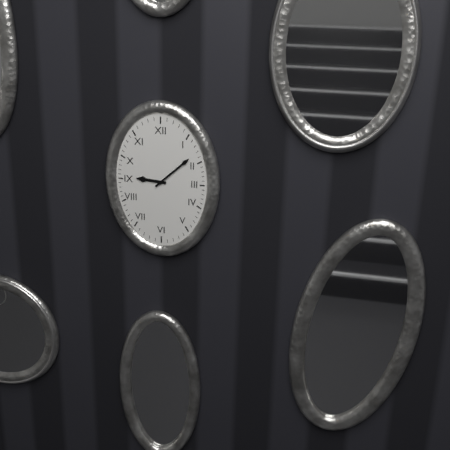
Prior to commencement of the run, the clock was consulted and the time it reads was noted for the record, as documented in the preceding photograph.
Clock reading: 9:08
